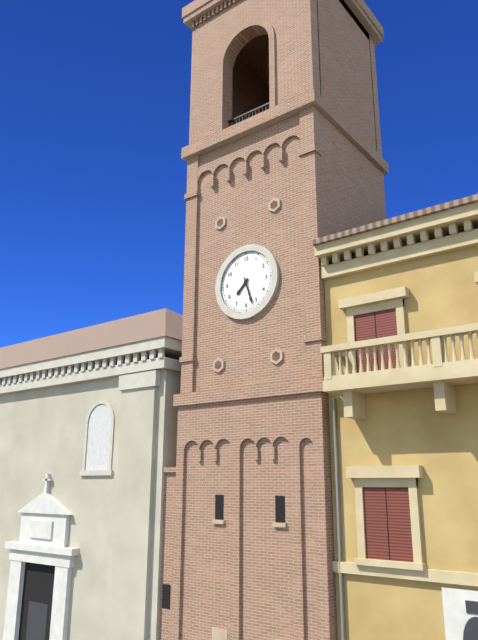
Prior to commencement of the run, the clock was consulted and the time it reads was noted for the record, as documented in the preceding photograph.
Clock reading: 7:27
